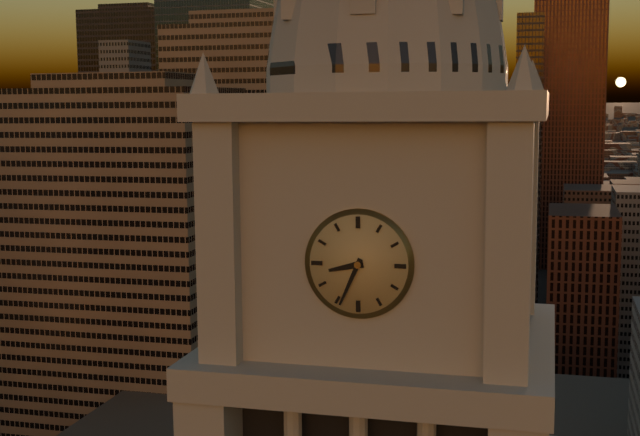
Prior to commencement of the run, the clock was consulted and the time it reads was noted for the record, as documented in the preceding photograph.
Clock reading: 8:34
